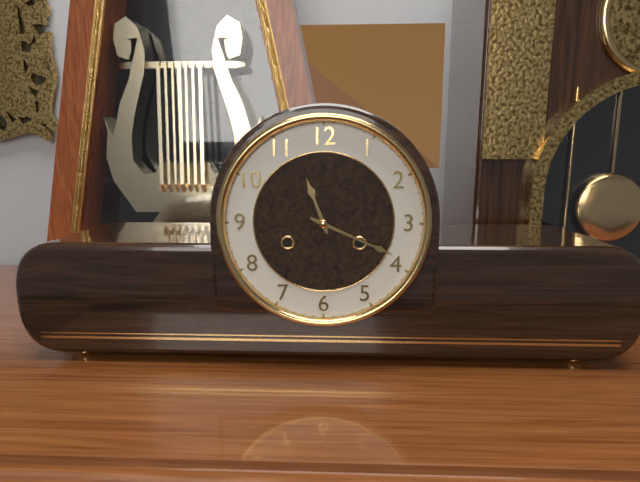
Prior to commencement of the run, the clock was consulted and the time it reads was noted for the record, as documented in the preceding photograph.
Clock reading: 11:19
